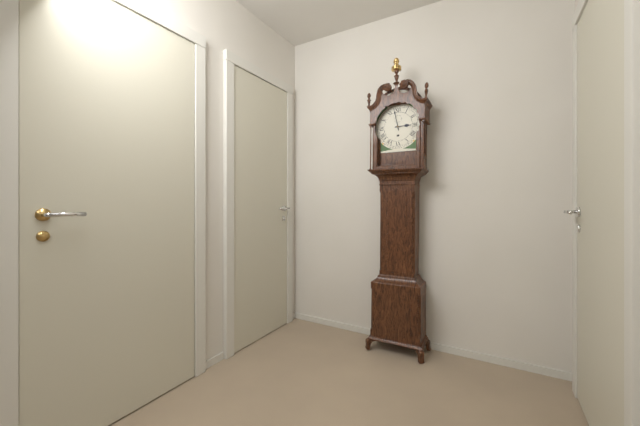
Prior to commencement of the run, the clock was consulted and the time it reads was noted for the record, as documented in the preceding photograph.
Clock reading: 2:58
